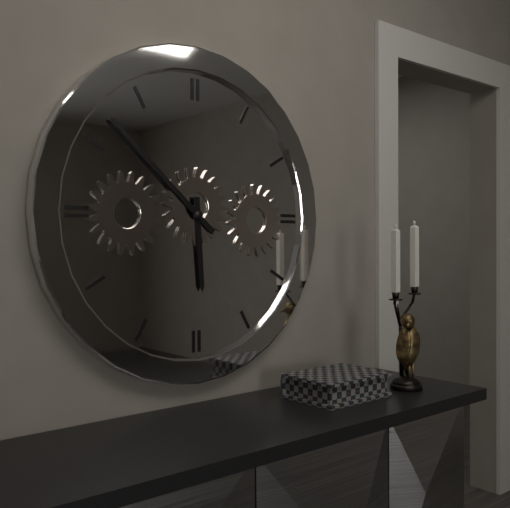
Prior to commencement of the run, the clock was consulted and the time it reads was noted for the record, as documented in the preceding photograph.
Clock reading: 5:52
